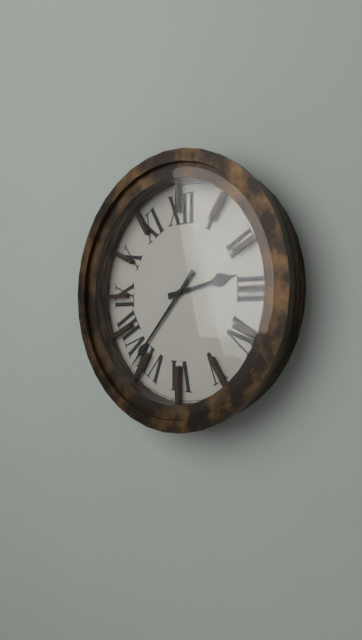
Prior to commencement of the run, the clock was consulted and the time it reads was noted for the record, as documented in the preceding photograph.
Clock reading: 2:37
